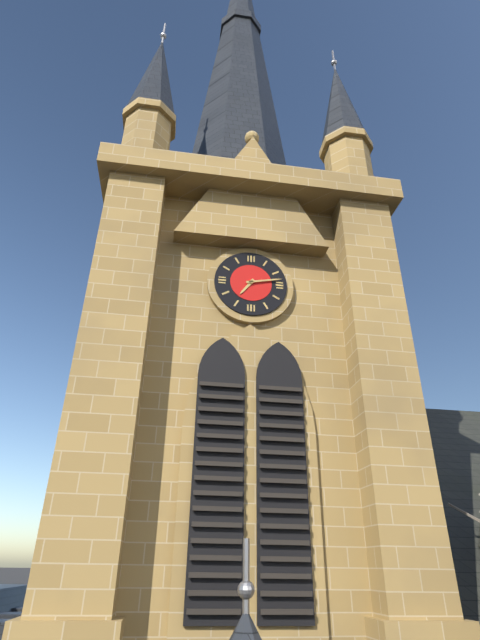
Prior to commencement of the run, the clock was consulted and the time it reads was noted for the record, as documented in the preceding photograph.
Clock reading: 7:13
